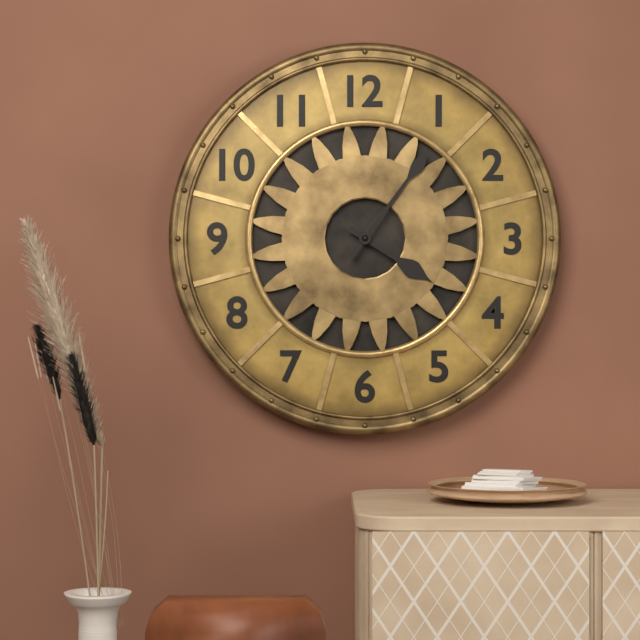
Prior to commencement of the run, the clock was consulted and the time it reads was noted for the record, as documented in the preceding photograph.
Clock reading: 4:06
